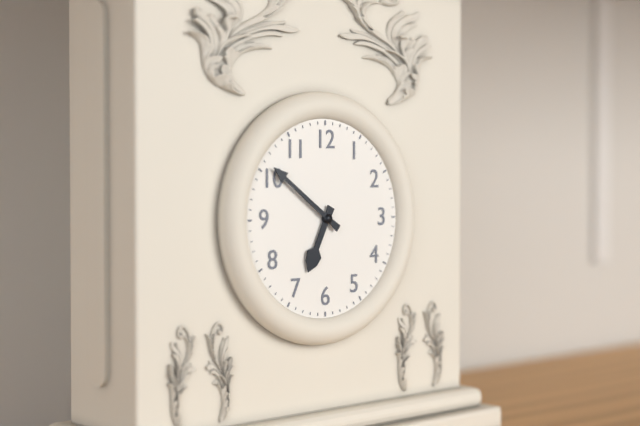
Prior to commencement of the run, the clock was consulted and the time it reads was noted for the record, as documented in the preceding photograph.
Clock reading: 6:51
